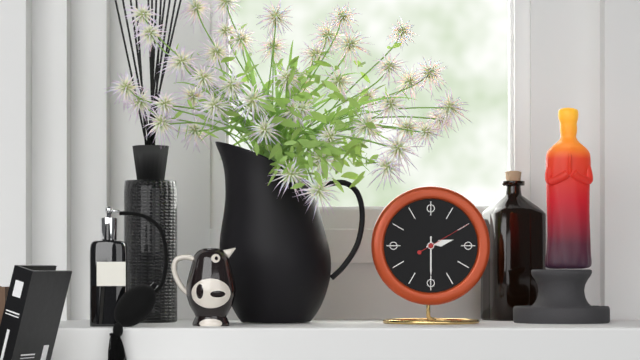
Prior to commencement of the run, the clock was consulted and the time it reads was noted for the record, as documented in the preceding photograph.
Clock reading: 2:30:10
